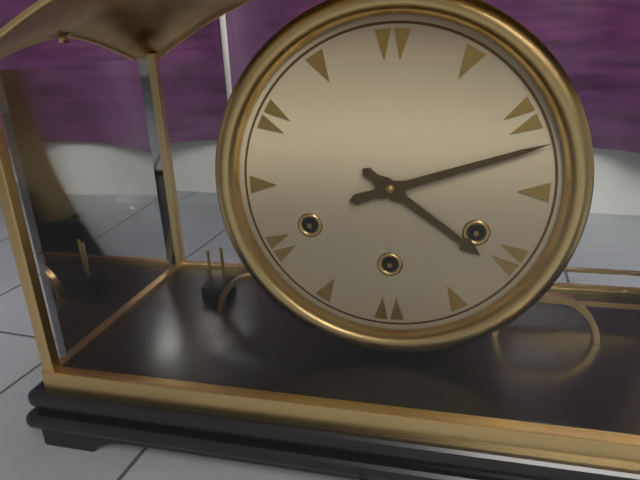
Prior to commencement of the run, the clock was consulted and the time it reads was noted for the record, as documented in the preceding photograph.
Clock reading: 4:12
